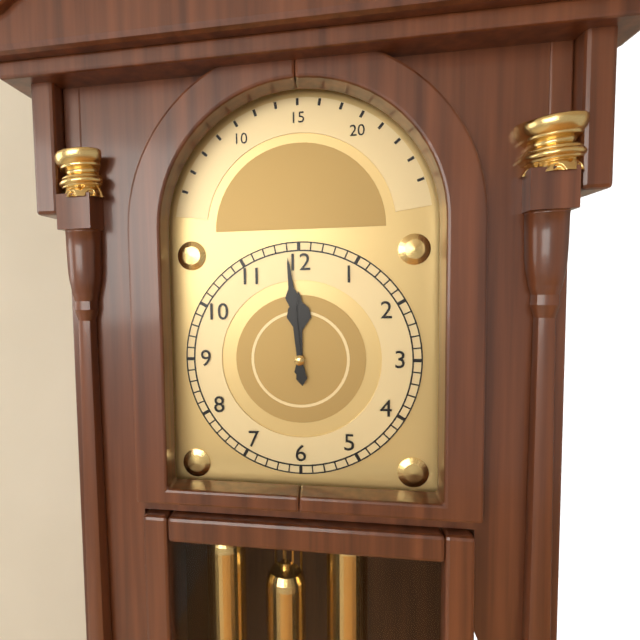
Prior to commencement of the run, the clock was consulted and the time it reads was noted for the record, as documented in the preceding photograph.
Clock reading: 11:59
